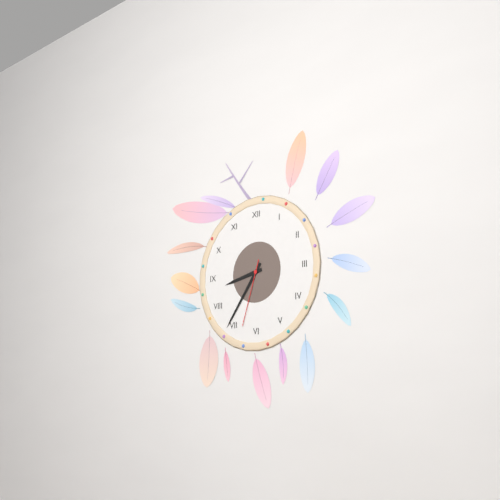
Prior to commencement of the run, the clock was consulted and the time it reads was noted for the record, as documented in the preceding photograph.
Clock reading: 8:36:33
